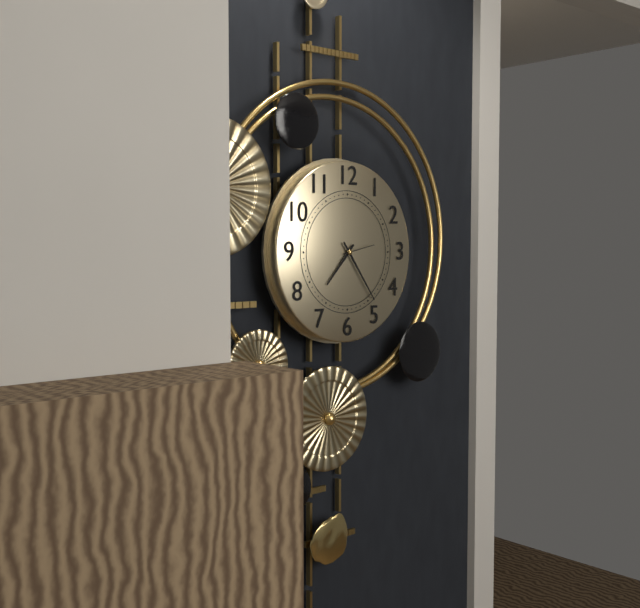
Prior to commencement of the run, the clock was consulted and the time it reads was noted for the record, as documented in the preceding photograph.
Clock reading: 7:24
